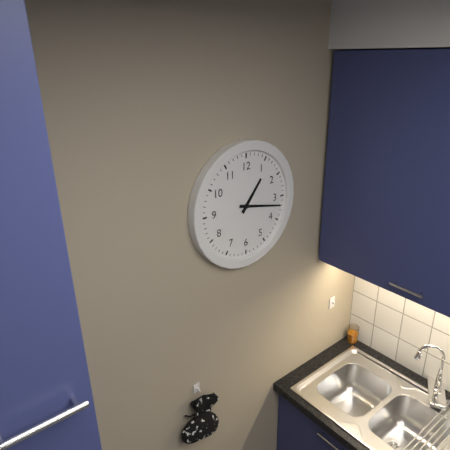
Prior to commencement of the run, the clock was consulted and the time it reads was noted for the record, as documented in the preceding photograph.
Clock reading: 1:17
